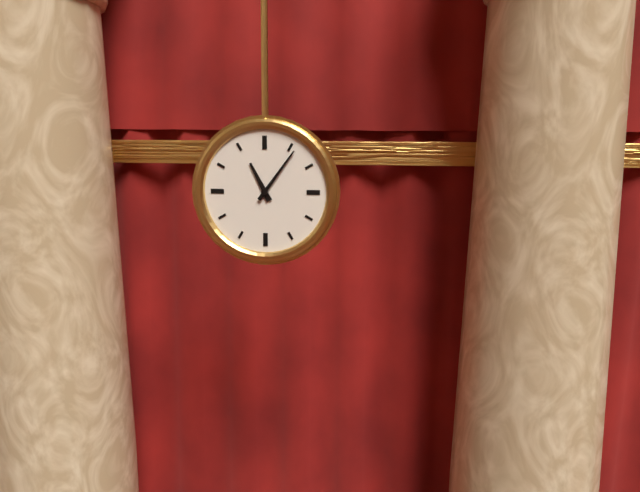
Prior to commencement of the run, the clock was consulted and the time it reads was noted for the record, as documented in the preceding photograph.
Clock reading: 11:06
